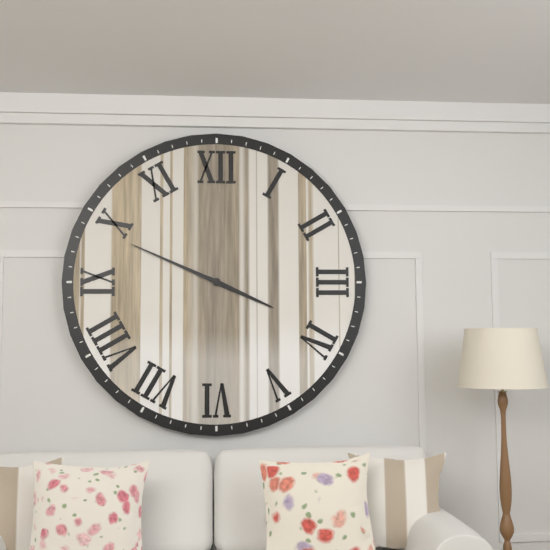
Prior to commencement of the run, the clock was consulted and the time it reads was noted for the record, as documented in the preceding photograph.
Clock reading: 3:49
